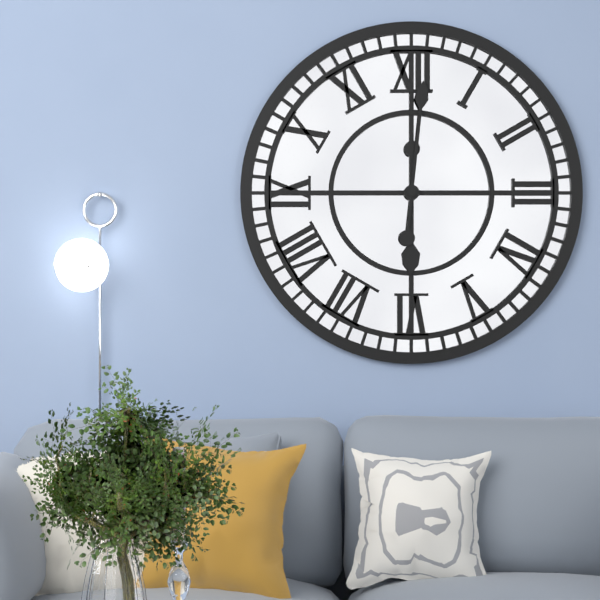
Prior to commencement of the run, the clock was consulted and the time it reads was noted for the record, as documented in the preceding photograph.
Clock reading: 6:01
